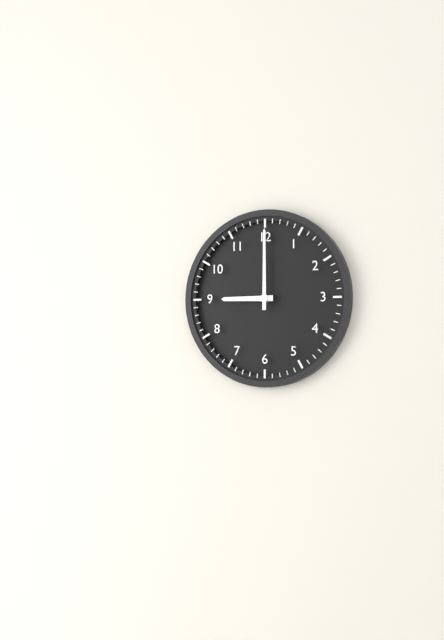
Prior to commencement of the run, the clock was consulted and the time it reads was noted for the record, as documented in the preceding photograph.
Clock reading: 9:00
